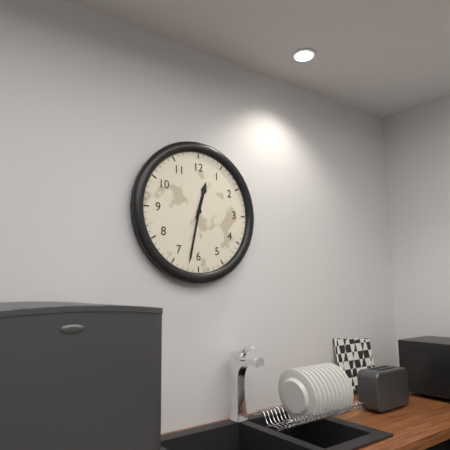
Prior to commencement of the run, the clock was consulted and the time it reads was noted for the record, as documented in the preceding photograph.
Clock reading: 12:32
